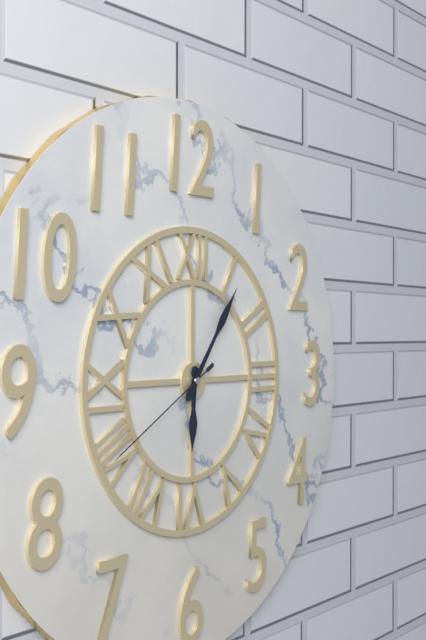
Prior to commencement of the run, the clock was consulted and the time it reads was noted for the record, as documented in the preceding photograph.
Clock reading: 6:06:40
